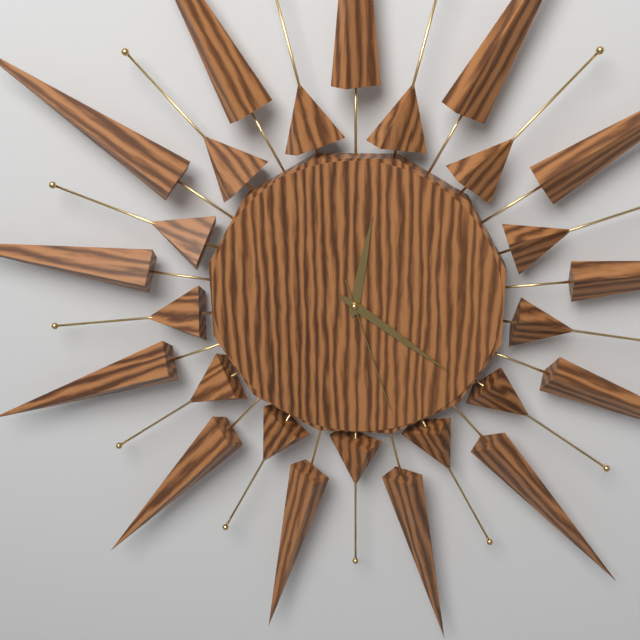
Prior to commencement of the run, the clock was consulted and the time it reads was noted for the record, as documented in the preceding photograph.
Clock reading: 12:21:27
